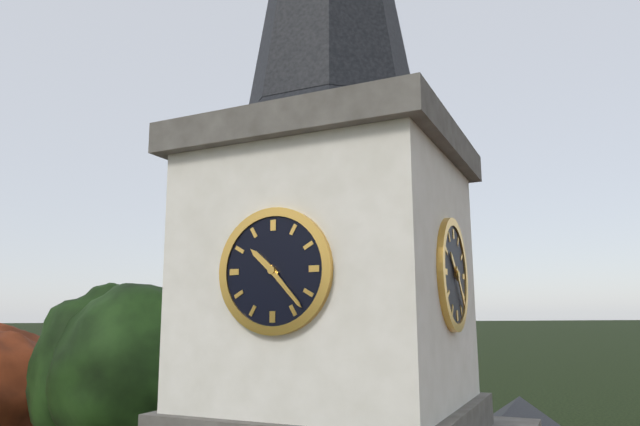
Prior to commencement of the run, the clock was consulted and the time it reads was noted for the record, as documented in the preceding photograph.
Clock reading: 10:23
